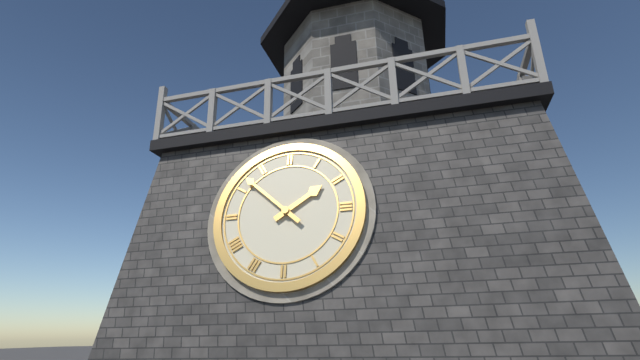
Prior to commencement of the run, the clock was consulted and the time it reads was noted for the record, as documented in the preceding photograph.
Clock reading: 1:52
